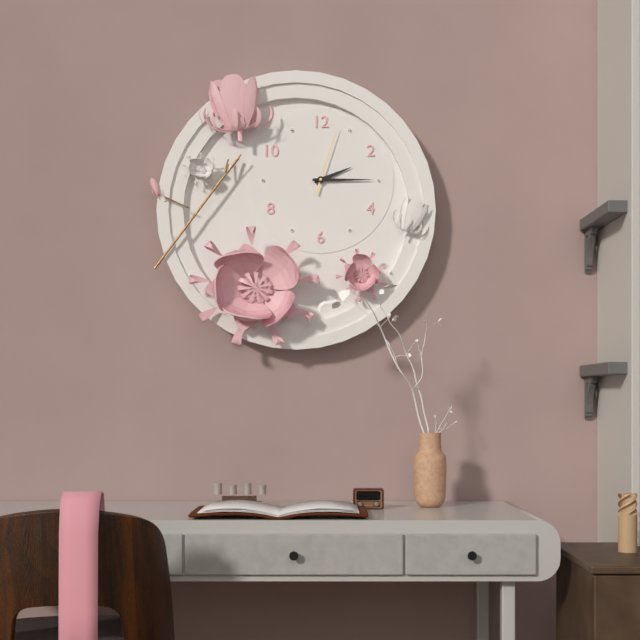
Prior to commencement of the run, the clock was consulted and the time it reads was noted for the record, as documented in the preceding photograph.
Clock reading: 2:15:03
